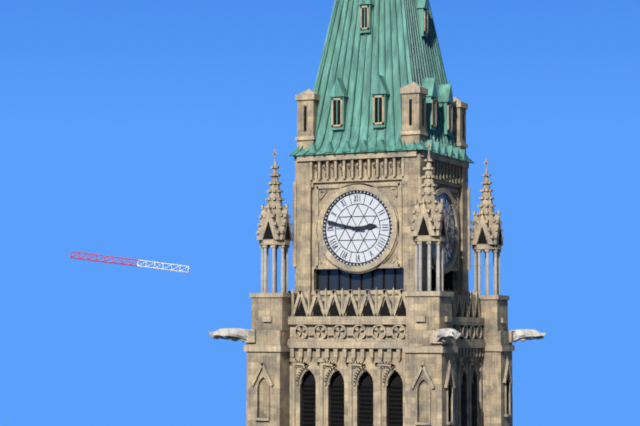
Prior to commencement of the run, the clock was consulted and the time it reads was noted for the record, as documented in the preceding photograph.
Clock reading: 2:47
